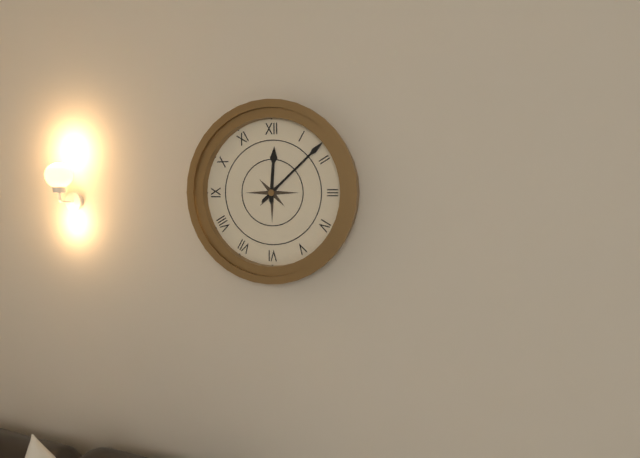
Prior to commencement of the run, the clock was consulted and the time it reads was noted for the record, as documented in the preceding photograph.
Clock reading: 12:08
